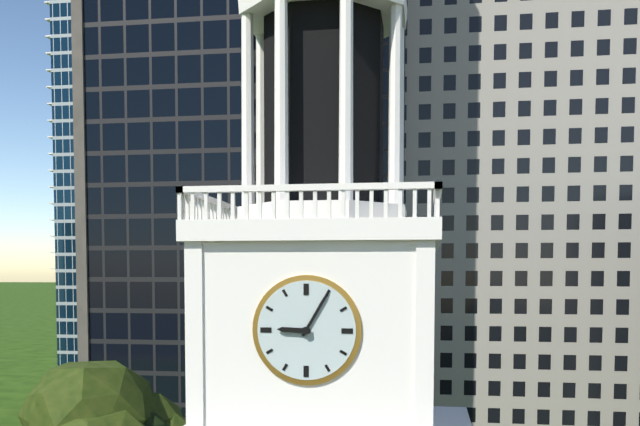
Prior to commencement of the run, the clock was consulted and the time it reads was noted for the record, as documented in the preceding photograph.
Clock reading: 9:05
